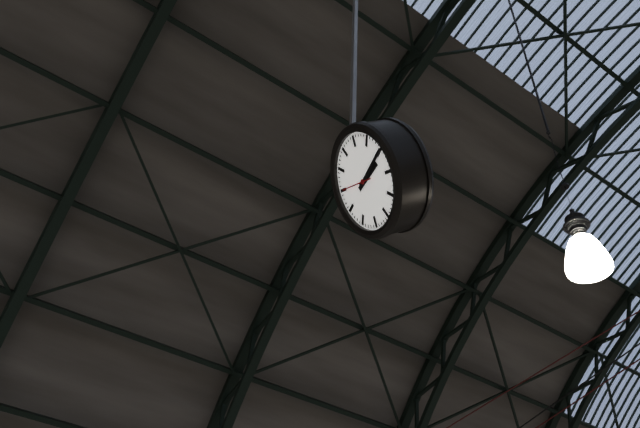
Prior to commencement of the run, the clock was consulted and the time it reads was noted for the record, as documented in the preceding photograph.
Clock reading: 3:15
